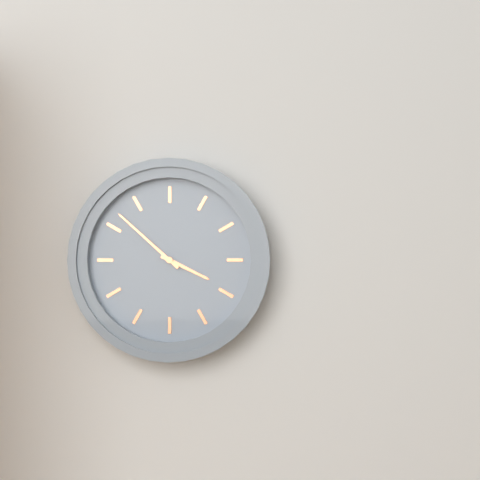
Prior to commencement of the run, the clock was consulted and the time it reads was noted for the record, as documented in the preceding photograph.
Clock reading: 3:52
